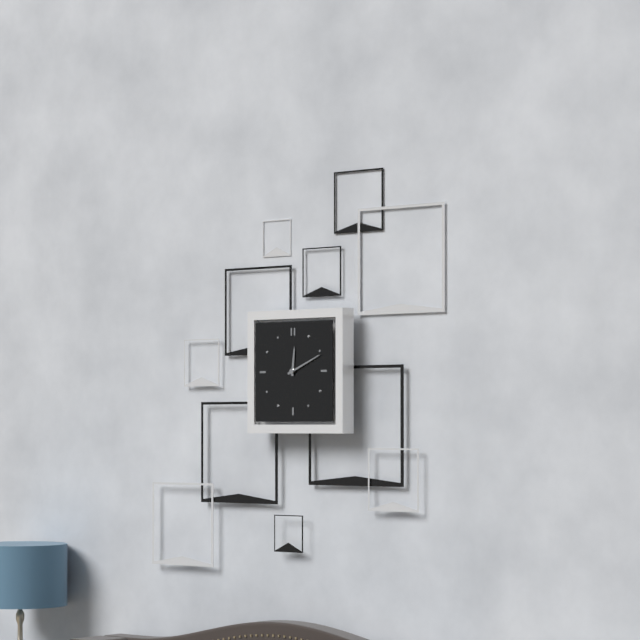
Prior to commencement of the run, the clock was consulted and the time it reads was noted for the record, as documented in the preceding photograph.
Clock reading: 12:11
